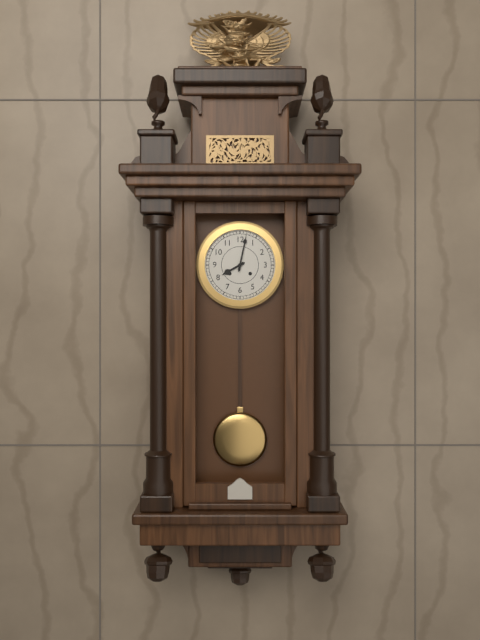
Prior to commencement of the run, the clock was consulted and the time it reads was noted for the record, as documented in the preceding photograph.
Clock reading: 8:02
